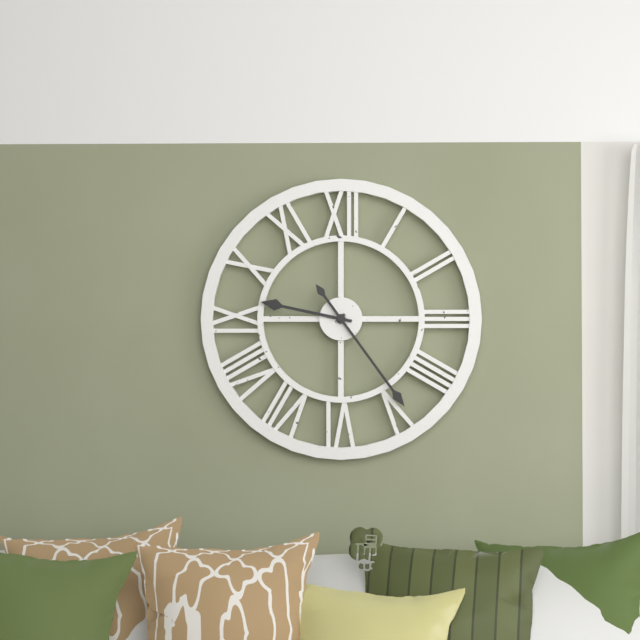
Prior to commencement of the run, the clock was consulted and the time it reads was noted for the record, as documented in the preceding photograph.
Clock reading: 9:24
